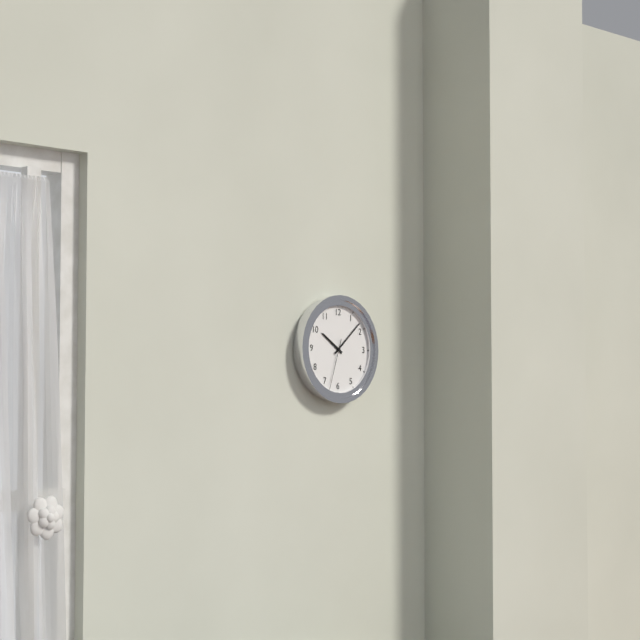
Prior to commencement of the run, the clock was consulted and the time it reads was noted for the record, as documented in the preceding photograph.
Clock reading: 10:08:33
